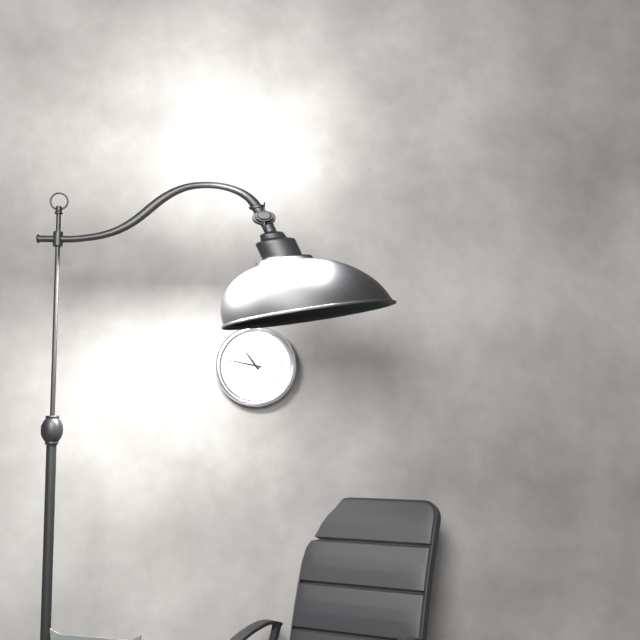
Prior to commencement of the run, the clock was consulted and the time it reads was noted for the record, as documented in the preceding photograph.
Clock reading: 10:47
